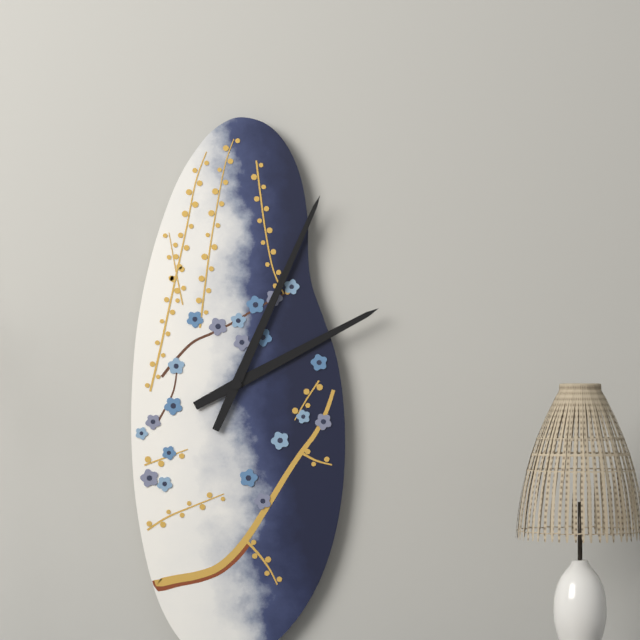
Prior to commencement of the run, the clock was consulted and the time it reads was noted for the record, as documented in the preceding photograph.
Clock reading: 2:04
